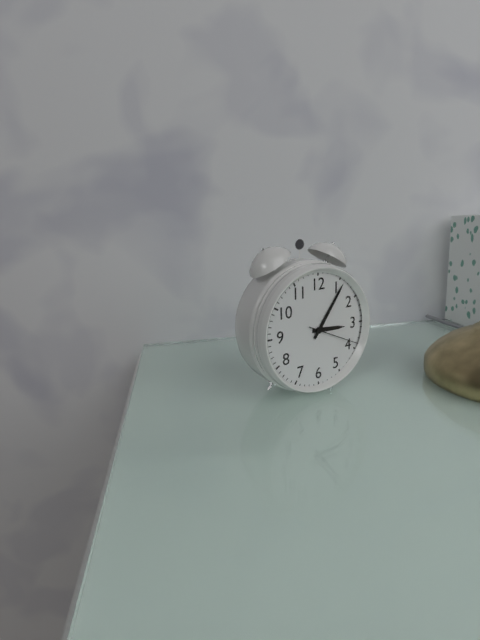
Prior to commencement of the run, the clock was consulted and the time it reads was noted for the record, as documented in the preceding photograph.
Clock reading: 3:06:19
